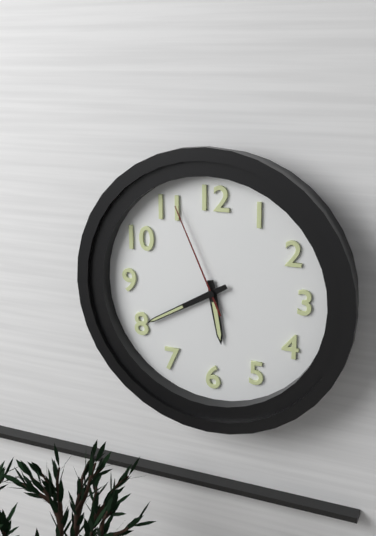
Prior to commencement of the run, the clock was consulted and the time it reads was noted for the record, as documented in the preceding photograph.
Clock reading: 5:40:56
